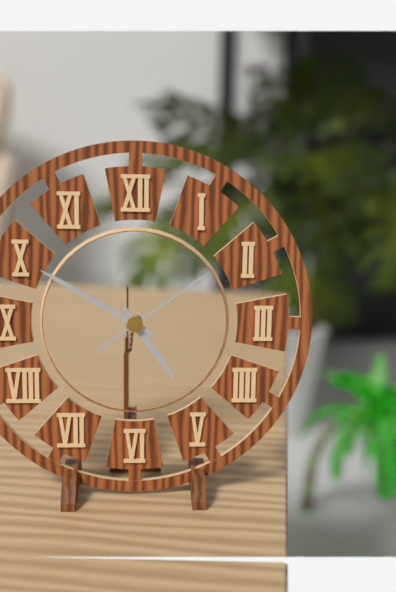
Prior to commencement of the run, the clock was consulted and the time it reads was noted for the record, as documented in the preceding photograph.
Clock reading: 4:50:09
